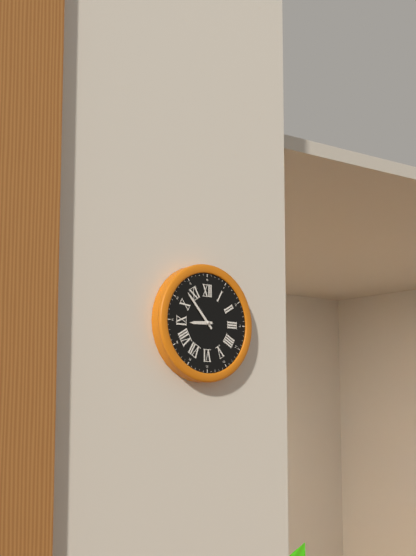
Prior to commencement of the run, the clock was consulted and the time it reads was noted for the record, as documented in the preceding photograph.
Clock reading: 8:53
